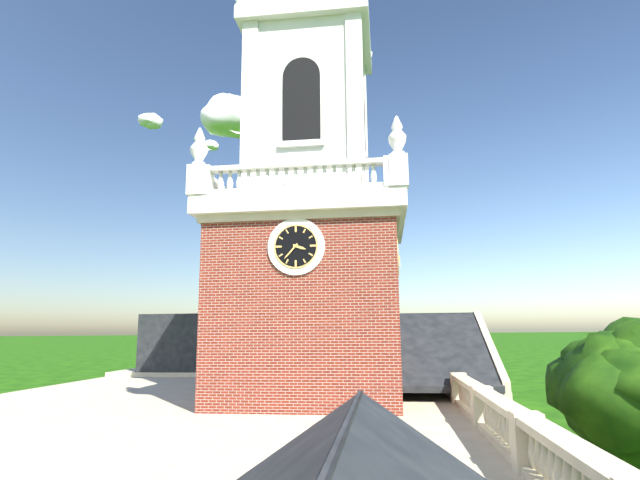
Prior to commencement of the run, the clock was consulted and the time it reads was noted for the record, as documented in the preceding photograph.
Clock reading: 3:37
